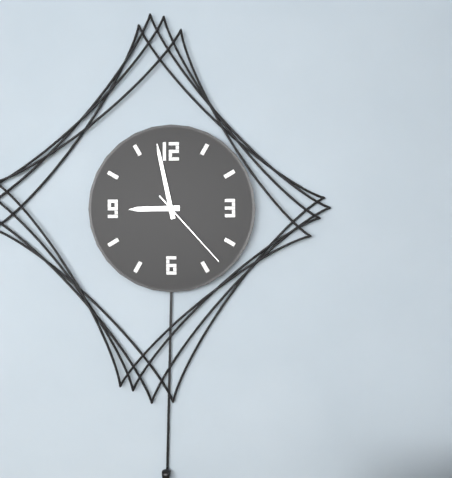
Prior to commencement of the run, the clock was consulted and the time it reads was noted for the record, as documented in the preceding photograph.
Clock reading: 8:58:23
